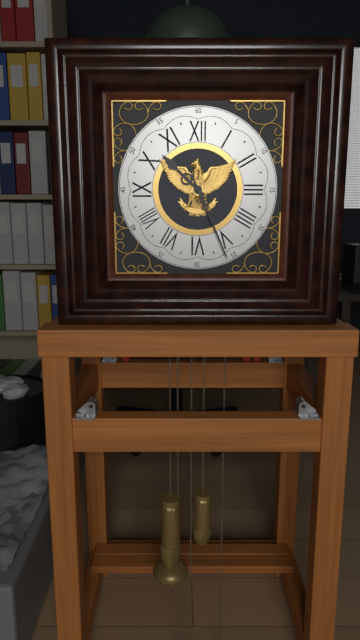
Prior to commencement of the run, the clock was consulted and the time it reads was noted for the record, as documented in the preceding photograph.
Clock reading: 10:26
